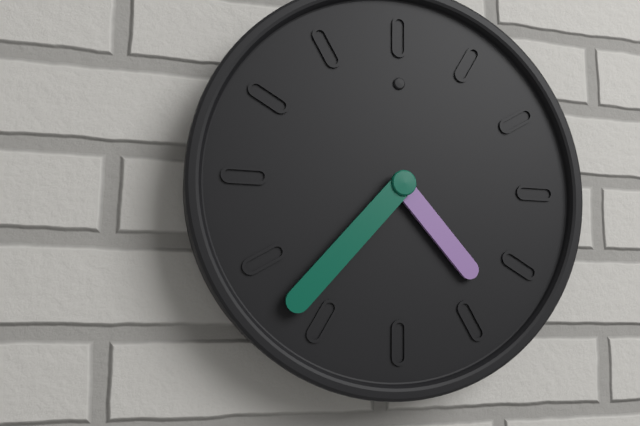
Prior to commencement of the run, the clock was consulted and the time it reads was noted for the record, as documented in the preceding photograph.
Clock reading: 4:37
